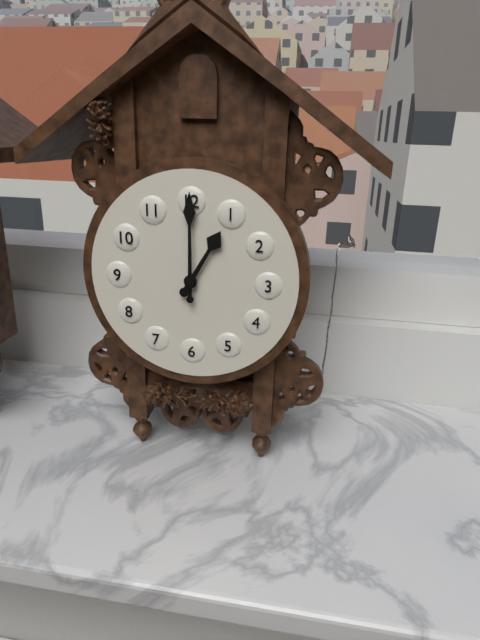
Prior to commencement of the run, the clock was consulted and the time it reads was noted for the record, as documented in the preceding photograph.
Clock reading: 1:00
